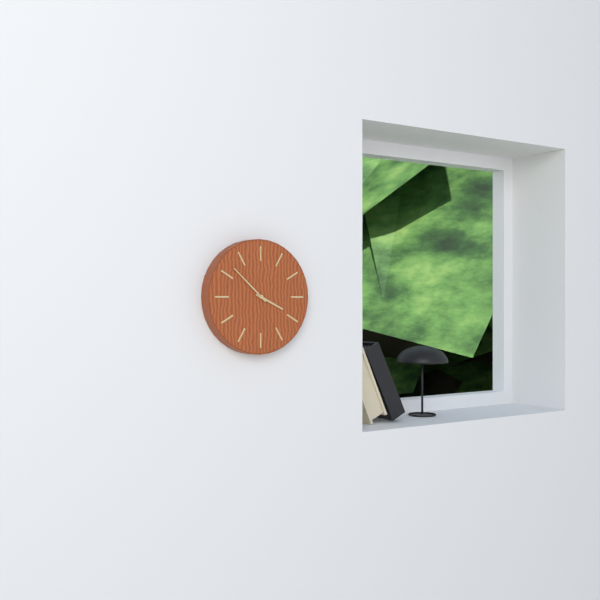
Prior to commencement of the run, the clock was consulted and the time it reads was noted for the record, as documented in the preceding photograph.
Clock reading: 3:52
